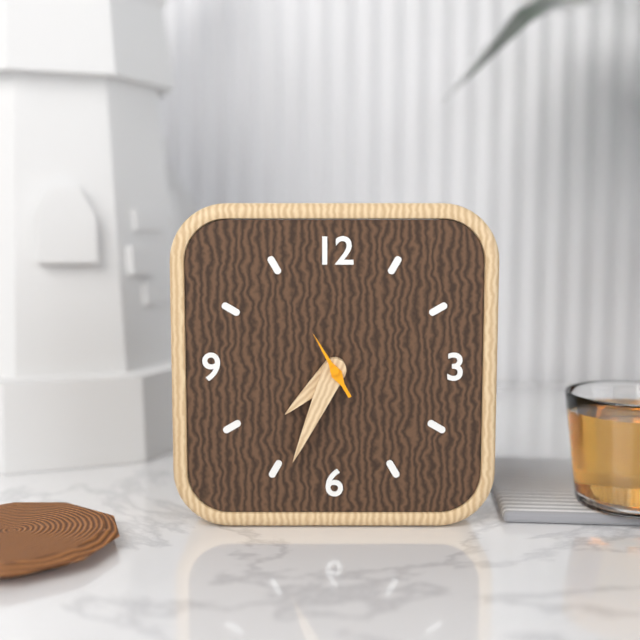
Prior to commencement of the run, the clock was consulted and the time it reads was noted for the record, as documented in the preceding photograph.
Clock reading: 7:34:55
